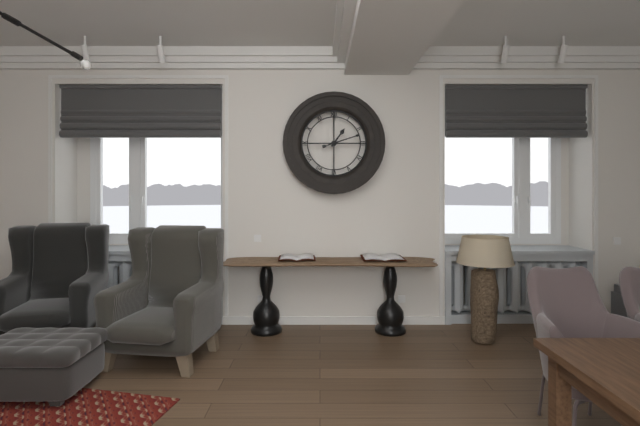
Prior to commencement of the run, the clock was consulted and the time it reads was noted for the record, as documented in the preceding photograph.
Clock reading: 1:12
